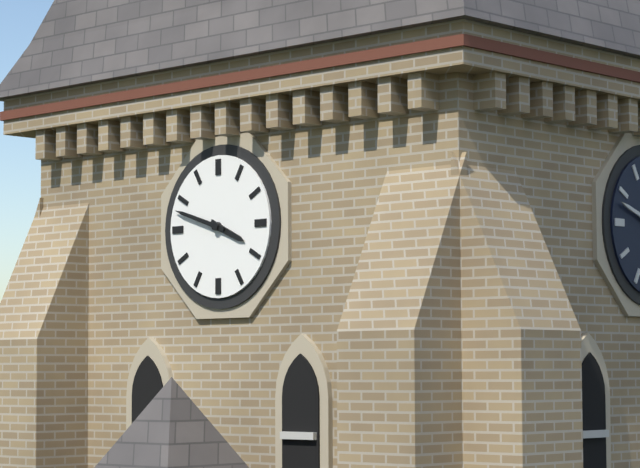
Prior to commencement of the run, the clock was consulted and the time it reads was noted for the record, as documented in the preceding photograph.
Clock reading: 3:48
